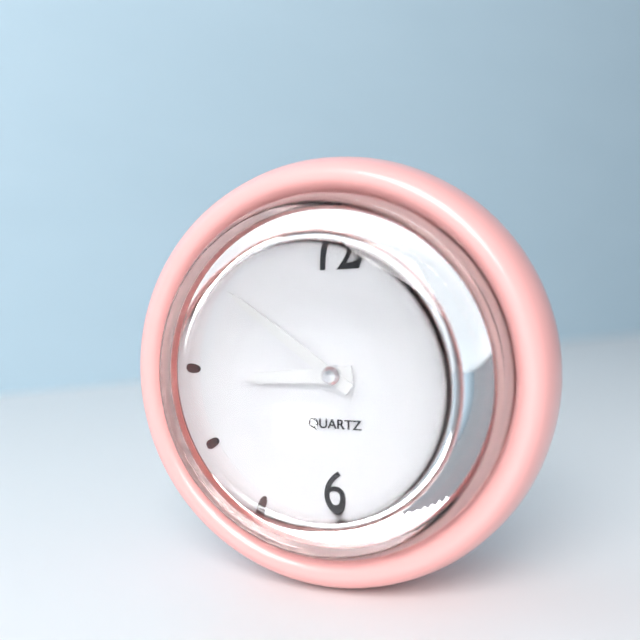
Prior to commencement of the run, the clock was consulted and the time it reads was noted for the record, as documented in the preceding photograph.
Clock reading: 8:51
